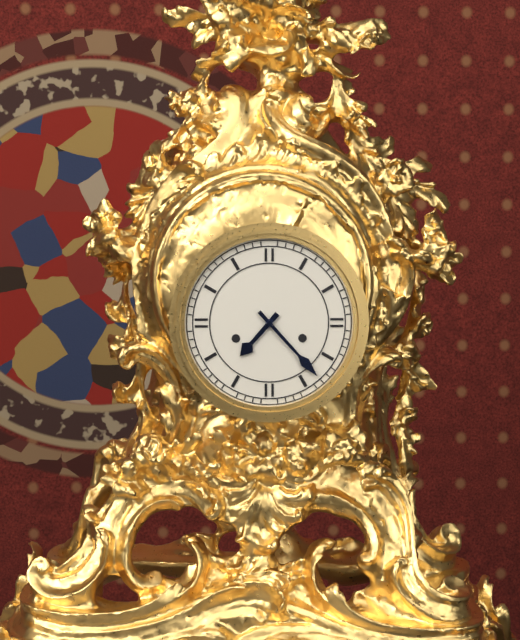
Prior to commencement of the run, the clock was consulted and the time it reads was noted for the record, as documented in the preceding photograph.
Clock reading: 7:23
